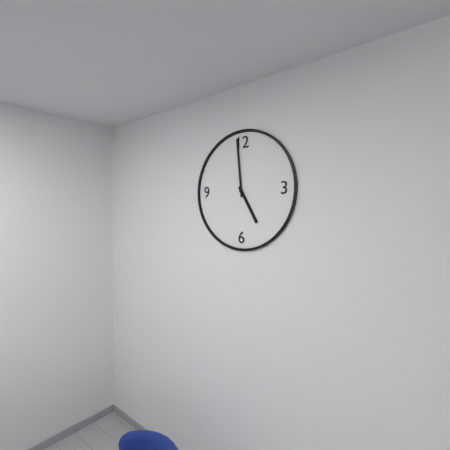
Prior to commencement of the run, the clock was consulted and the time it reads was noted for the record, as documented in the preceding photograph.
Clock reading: 4:59
